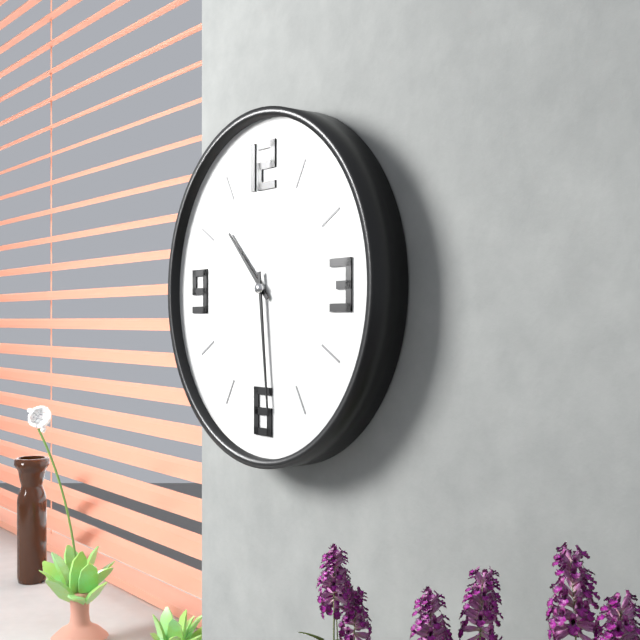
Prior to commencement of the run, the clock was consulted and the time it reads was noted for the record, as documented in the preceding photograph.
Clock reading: 10:29
